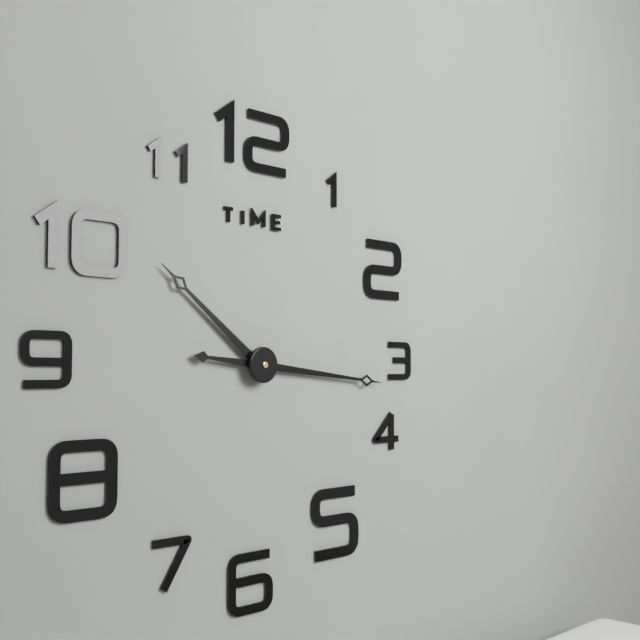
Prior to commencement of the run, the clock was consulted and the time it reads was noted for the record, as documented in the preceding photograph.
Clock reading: 10:16
